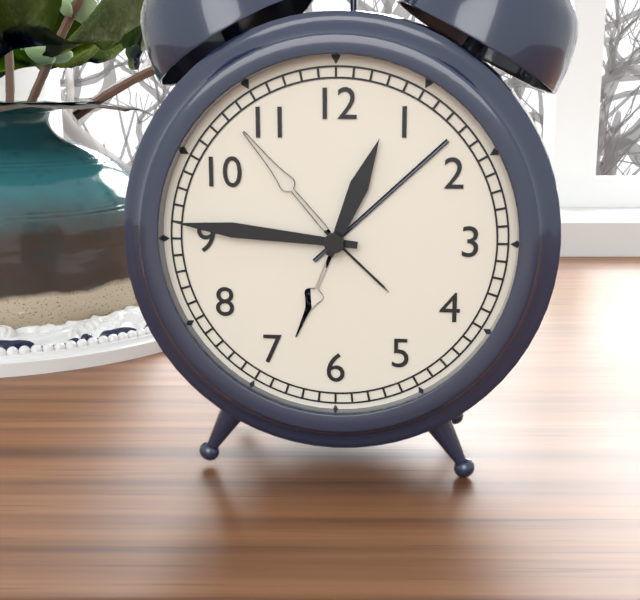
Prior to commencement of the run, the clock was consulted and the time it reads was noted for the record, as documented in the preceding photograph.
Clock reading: 12:46
